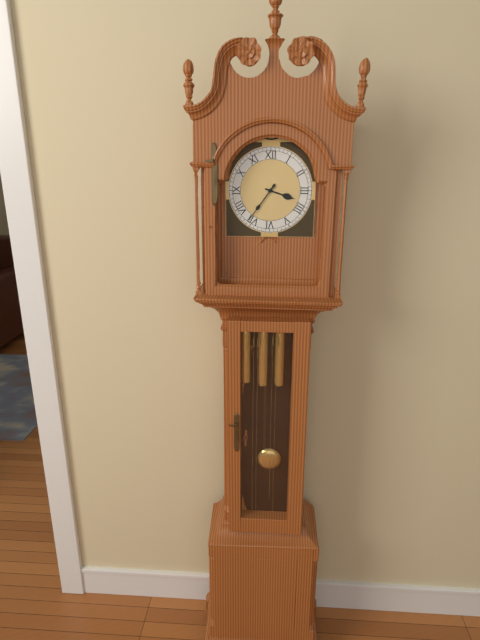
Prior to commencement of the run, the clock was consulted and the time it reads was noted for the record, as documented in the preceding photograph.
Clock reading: 3:36
